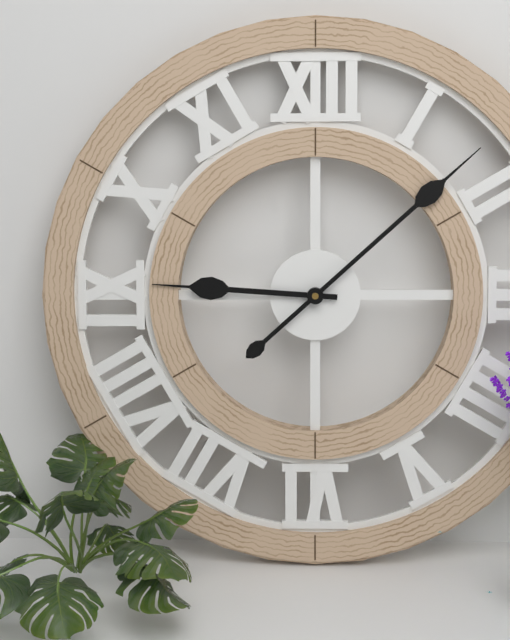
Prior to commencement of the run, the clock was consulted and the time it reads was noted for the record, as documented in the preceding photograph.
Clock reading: 9:08
